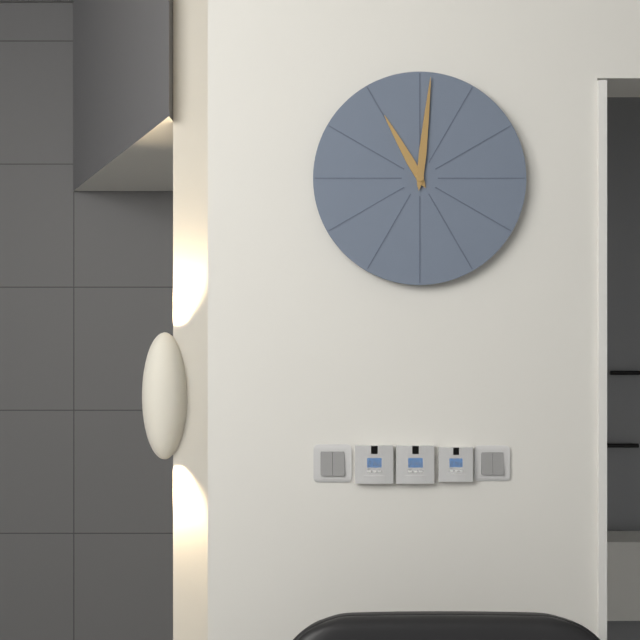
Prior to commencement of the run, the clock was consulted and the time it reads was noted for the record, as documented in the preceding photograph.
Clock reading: 11:01
